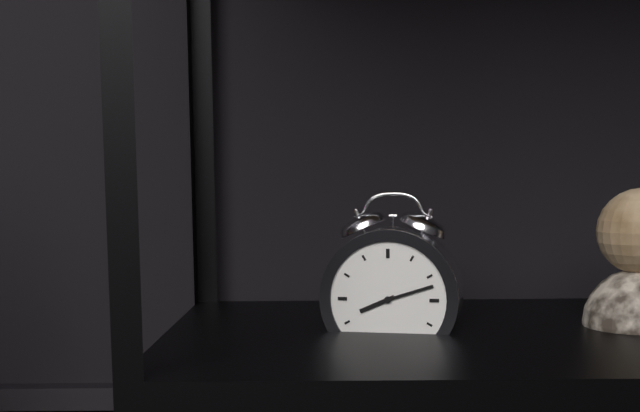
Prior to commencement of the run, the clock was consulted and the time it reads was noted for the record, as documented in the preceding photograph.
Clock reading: 8:12
